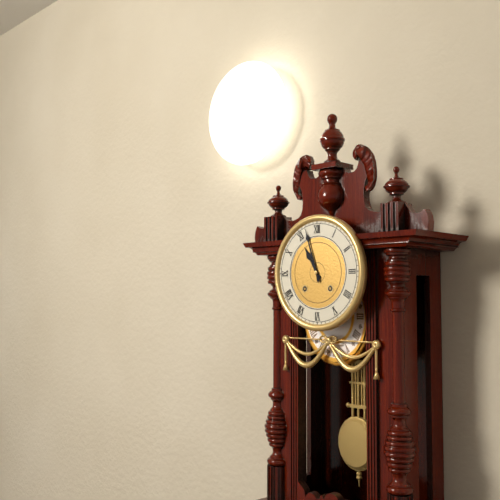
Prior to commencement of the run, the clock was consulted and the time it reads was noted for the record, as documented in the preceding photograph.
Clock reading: 10:57
